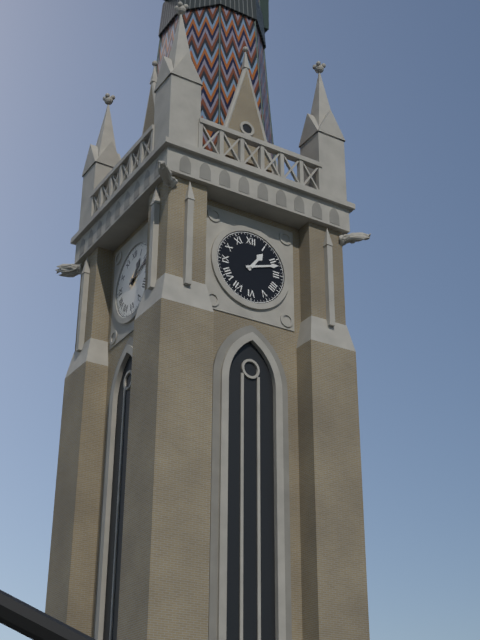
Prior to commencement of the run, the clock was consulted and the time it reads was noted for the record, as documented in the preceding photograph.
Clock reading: 1:12
